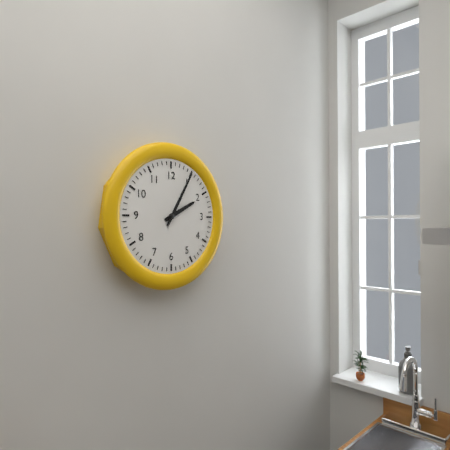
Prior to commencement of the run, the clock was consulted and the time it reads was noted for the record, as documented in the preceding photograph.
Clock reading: 2:05
